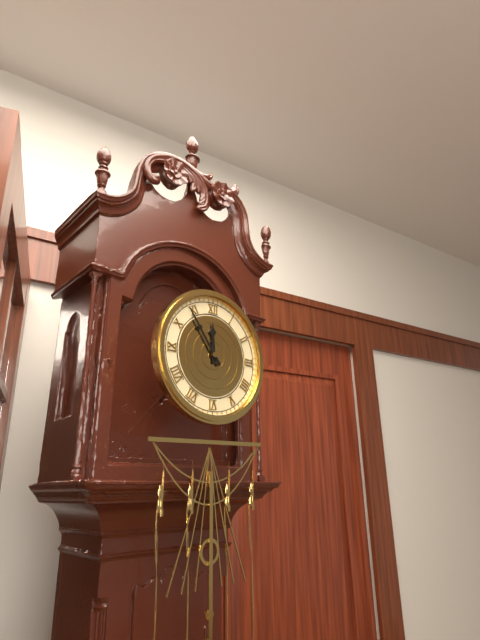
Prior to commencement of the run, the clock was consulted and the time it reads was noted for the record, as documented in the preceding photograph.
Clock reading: 11:54
